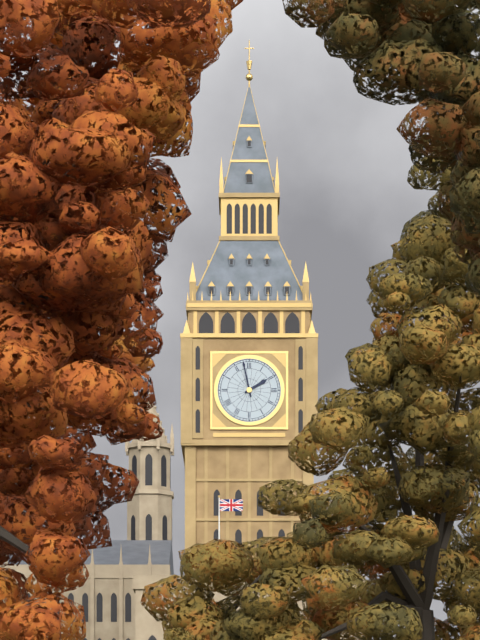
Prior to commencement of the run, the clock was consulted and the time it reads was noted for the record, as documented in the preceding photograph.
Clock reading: 1:58
